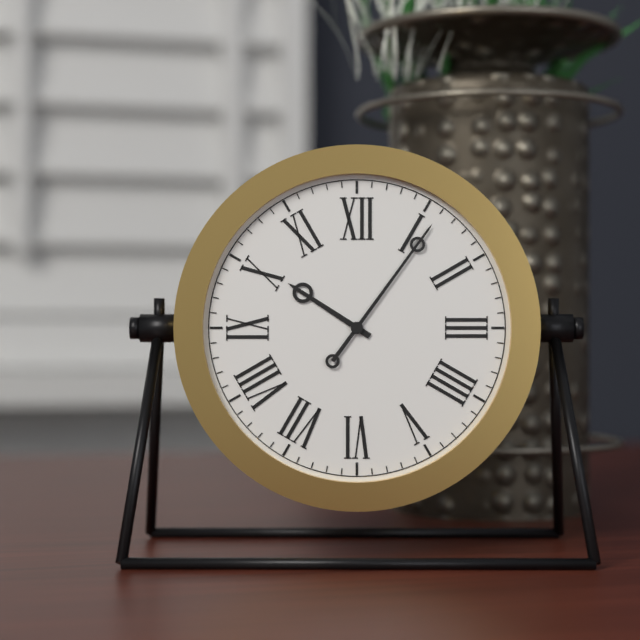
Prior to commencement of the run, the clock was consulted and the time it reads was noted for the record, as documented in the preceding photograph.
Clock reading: 10:06
